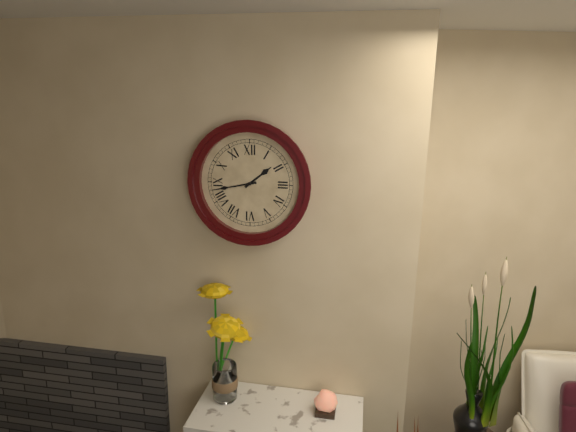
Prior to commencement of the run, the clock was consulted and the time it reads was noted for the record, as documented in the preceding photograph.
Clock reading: 1:43
